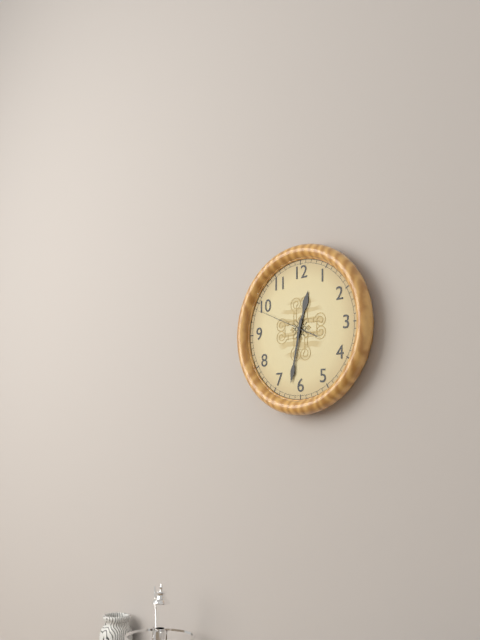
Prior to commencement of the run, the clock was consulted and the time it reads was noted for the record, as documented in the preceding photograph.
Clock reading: 12:32:49
